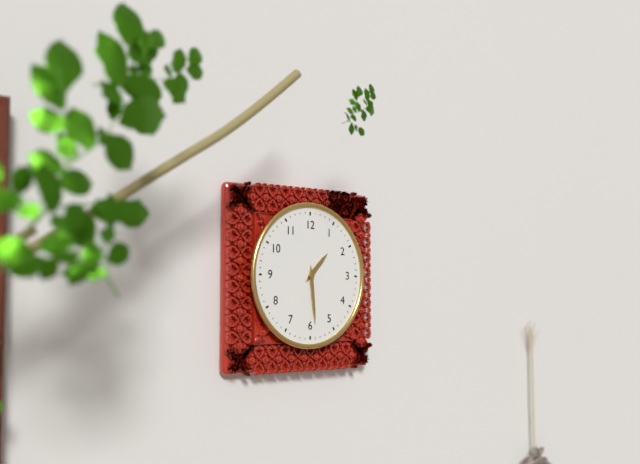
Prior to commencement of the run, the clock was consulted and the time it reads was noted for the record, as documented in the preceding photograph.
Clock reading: 1:29
